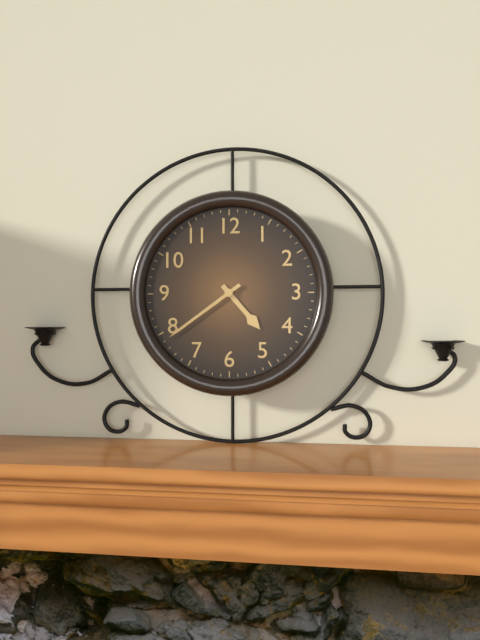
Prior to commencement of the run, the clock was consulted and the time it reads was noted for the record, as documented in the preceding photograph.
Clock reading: 4:39
